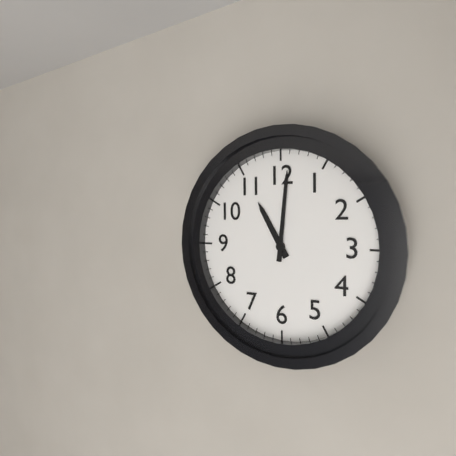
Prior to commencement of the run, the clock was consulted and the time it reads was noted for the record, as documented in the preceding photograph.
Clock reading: 11:01
